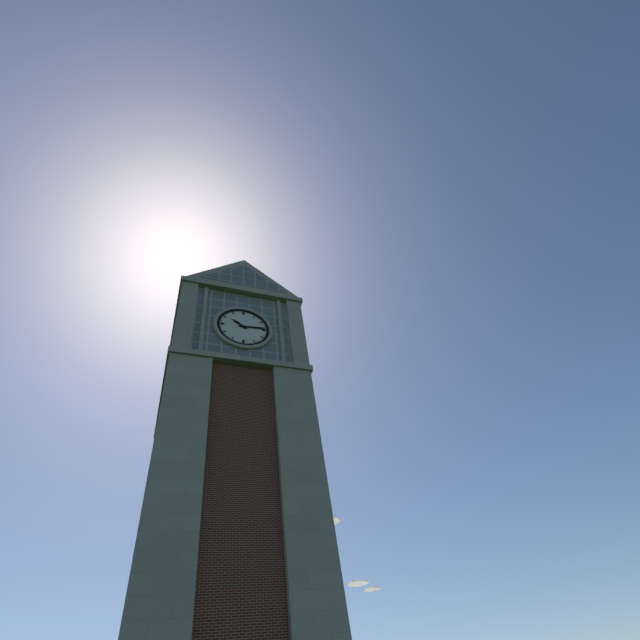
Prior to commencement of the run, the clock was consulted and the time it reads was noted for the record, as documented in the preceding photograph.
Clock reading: 10:14
